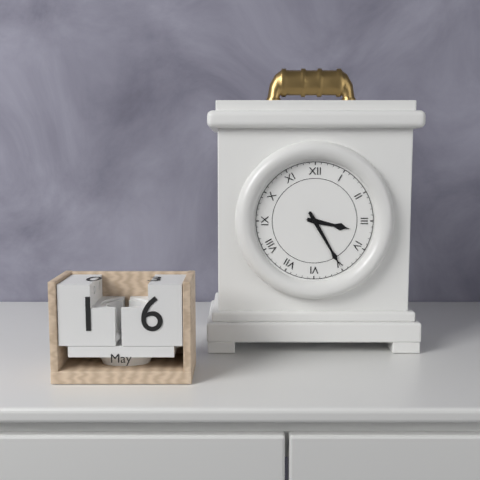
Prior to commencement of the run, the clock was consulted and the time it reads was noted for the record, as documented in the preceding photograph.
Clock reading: 3:25
